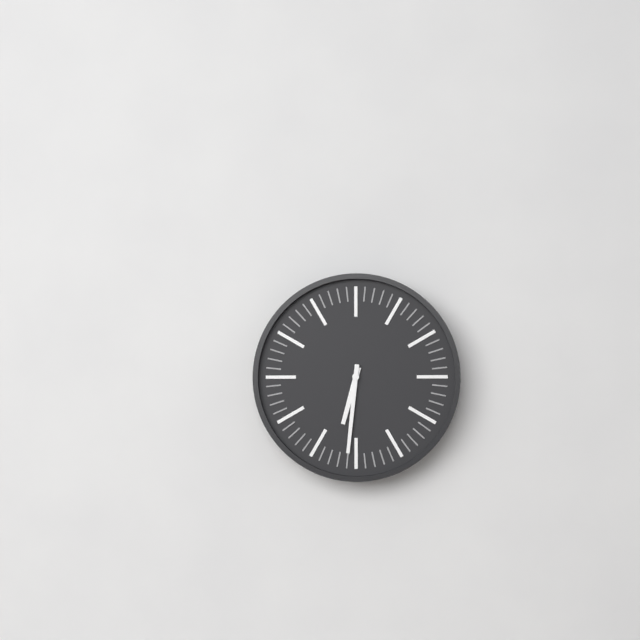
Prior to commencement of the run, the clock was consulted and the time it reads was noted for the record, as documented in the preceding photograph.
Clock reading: 6:31
